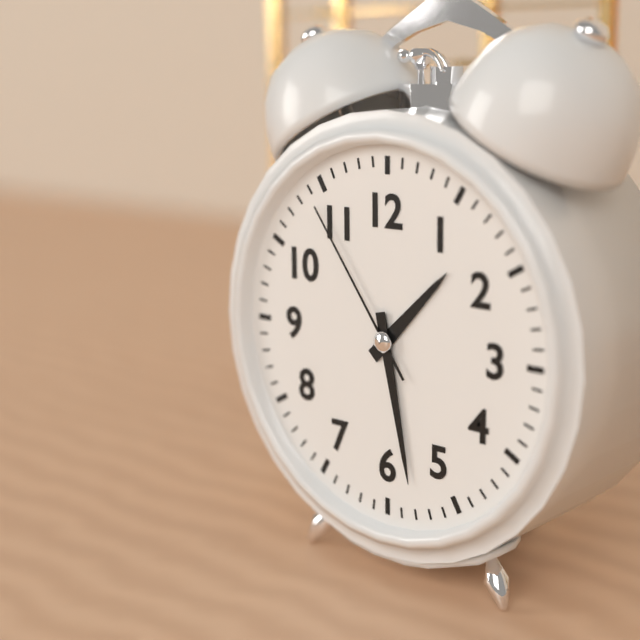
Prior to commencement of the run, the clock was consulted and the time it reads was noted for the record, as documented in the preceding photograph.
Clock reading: 1:28:54
